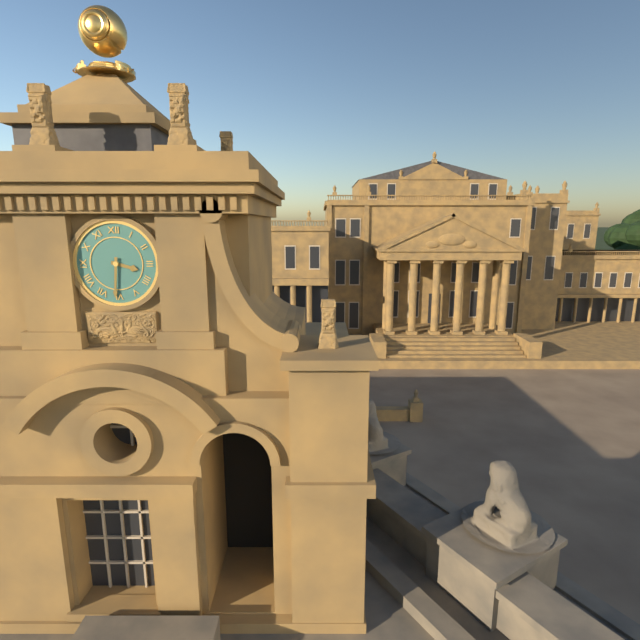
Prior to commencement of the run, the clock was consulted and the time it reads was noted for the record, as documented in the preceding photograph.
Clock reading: 3:31
